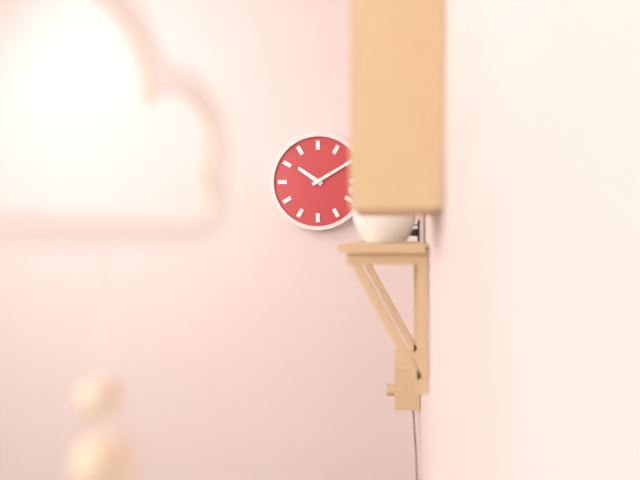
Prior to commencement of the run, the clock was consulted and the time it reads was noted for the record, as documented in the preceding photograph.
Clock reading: 10:10
